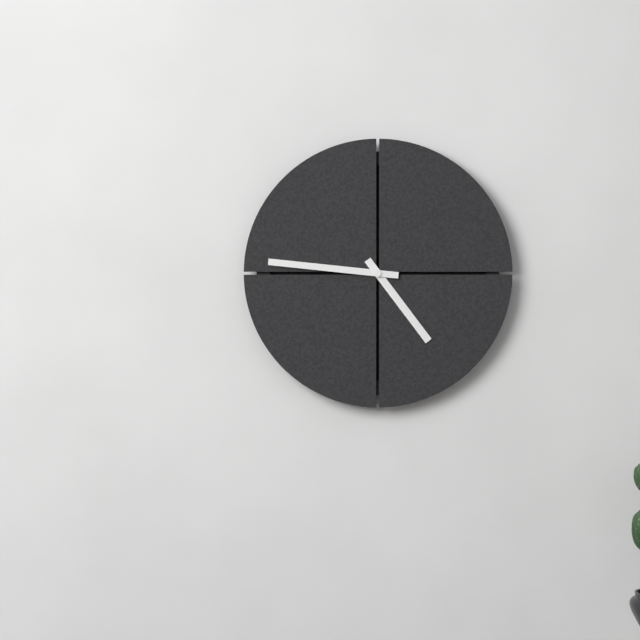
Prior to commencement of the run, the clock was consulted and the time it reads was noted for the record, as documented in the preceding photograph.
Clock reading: 4:46
